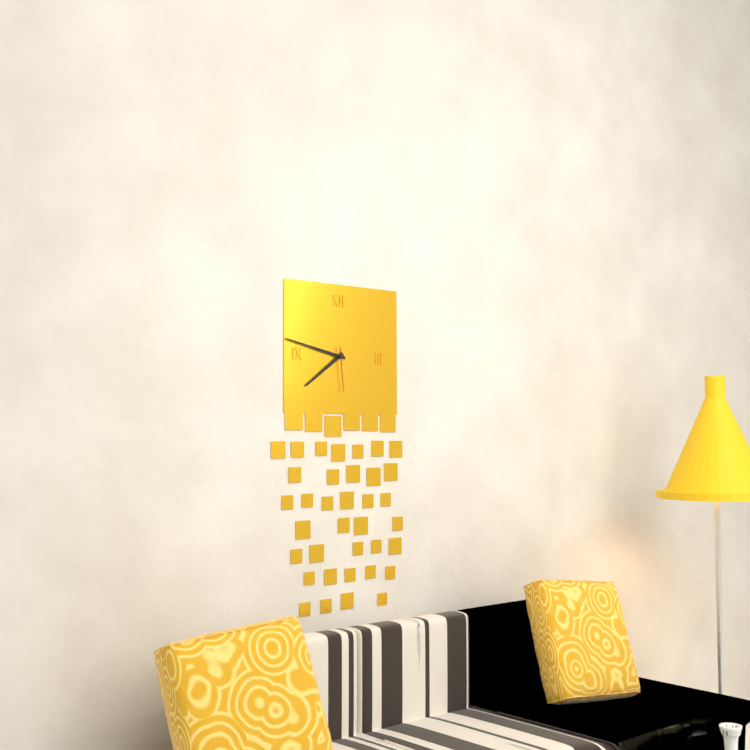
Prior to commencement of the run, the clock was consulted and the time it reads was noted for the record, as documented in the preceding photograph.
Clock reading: 7:47
